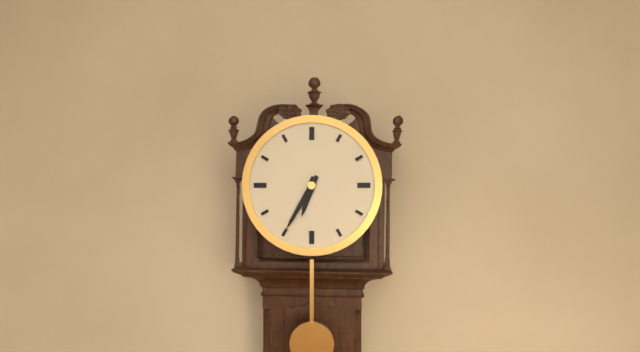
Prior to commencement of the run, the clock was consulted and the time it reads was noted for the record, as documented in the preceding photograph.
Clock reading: 6:35
